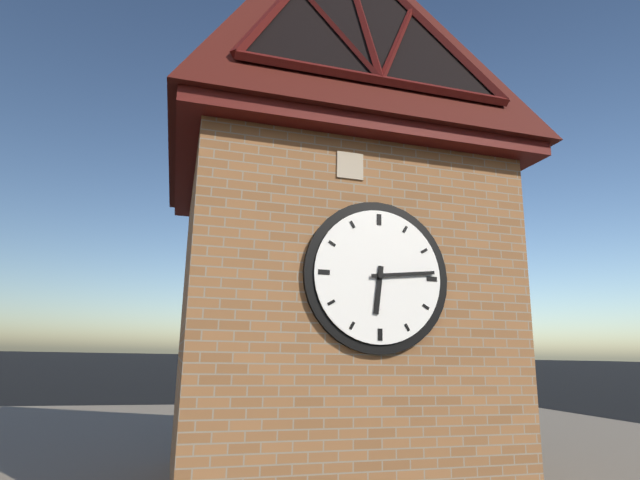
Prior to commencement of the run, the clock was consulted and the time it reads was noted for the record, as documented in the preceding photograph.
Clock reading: 6:14
